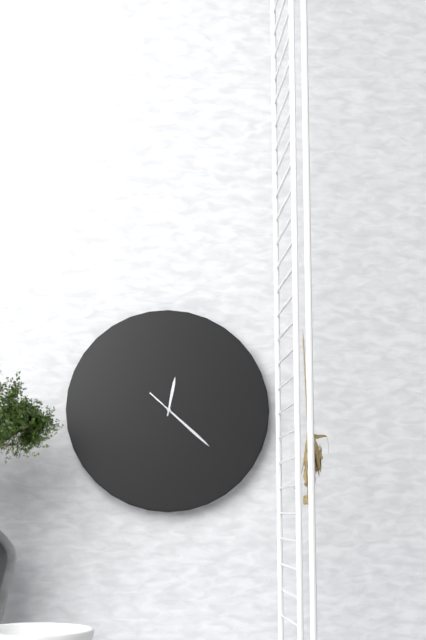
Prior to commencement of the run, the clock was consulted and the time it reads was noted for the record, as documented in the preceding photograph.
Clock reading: 12:22:22
